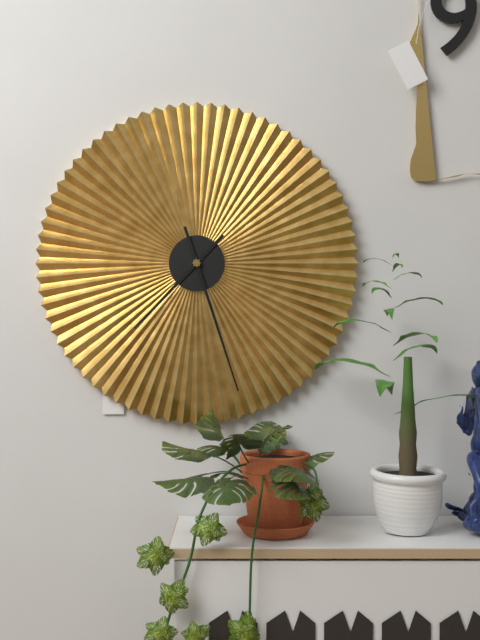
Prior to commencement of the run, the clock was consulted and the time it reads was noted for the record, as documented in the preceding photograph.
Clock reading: 7:27
